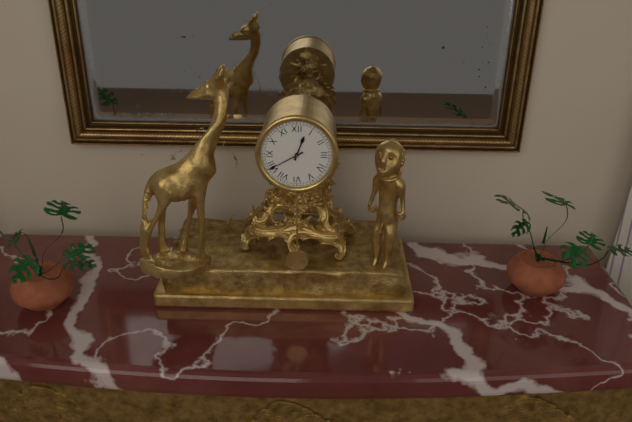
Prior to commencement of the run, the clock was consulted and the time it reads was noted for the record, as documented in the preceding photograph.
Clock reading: 12:40
